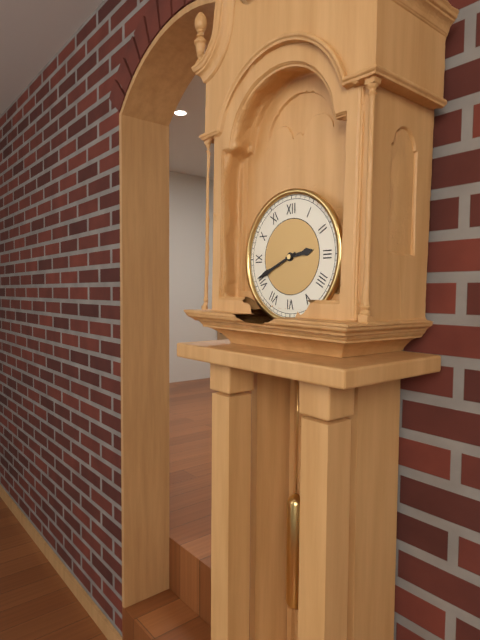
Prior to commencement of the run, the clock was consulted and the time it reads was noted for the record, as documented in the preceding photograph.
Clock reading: 2:41
